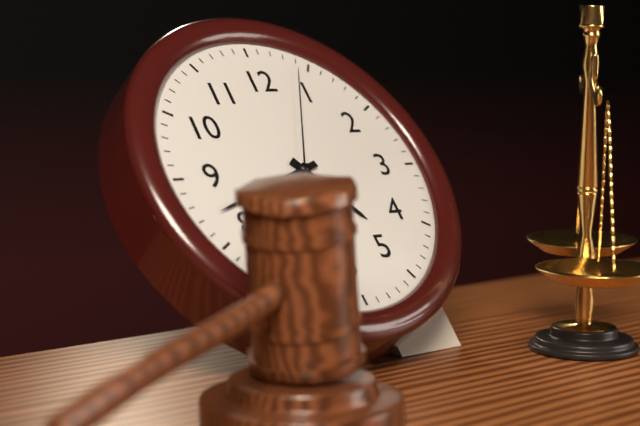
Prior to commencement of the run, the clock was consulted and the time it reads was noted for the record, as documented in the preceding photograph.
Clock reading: 4:42:04
